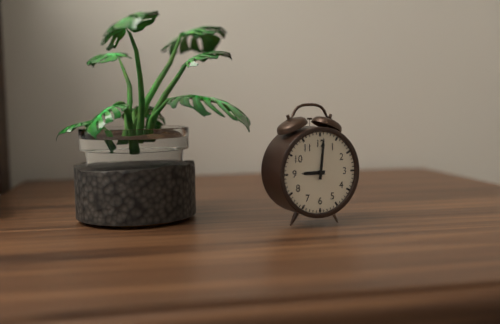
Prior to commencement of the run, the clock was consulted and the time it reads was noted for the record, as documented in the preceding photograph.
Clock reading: 9:01
